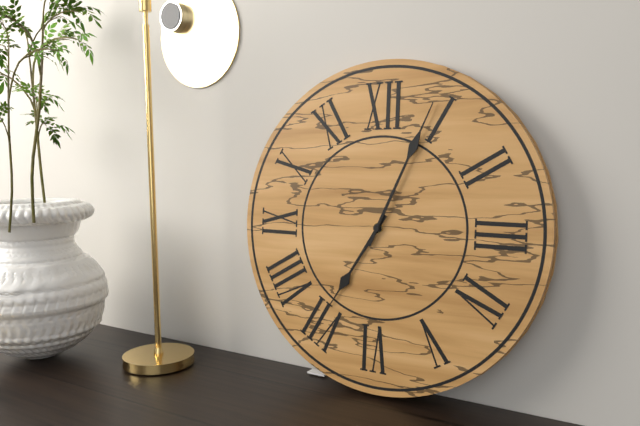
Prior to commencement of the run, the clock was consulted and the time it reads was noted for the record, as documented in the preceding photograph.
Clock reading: 7:04
